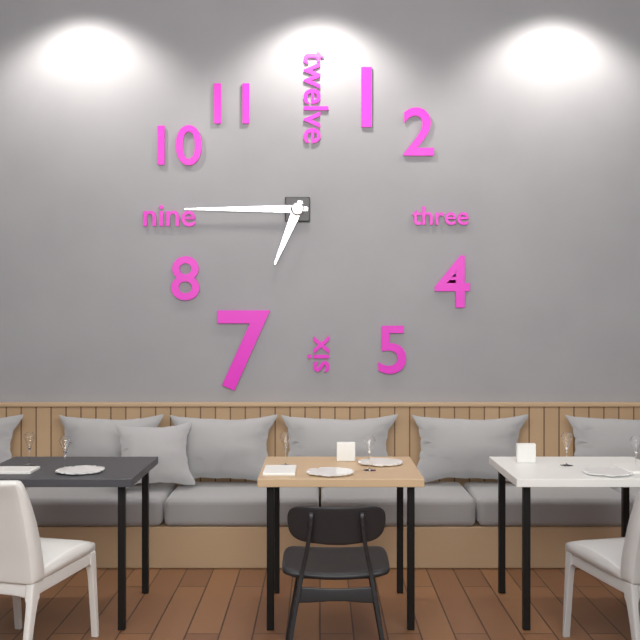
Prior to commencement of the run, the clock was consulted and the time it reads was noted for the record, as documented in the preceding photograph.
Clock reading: 6:45
